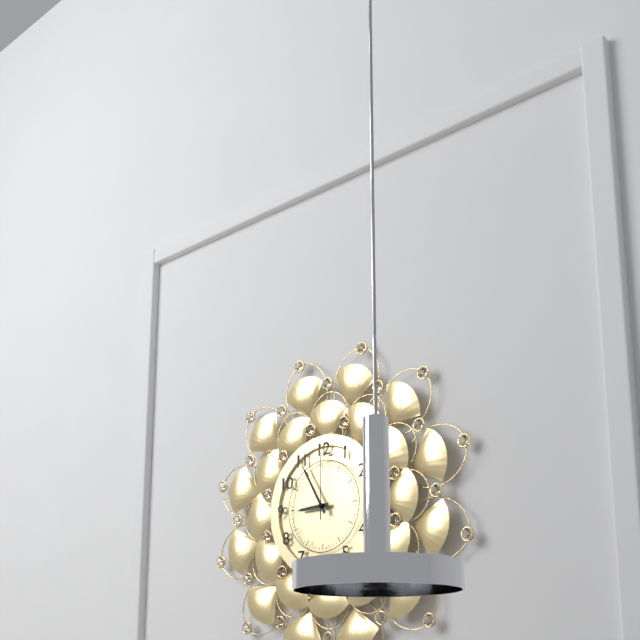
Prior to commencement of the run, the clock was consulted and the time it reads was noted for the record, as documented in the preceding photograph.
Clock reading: 8:55:00
